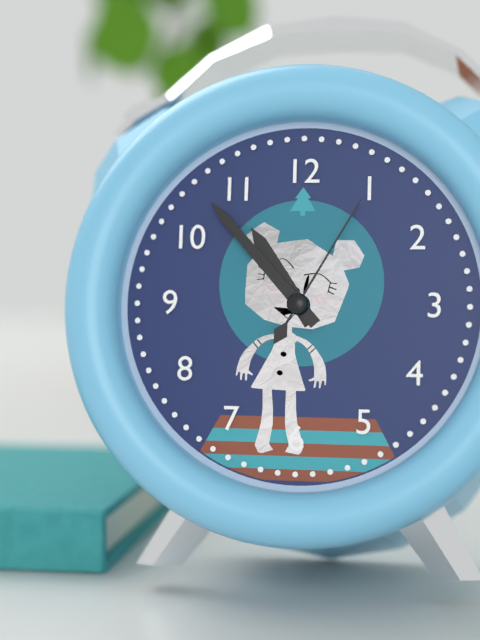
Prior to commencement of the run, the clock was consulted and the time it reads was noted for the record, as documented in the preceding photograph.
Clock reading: 10:53:05
